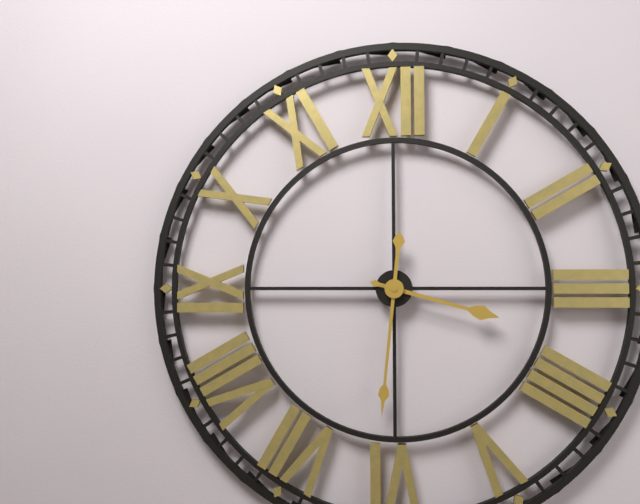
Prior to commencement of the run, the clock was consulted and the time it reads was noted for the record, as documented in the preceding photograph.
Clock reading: 3:31
